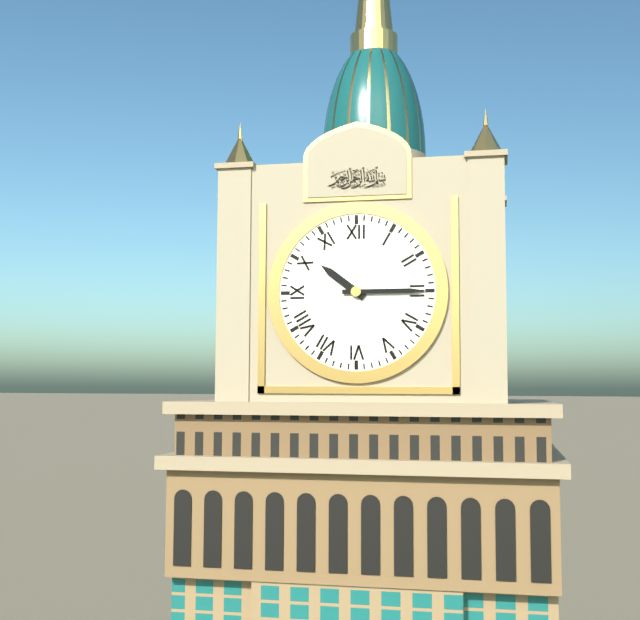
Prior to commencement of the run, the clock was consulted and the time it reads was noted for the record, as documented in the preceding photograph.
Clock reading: 10:15
